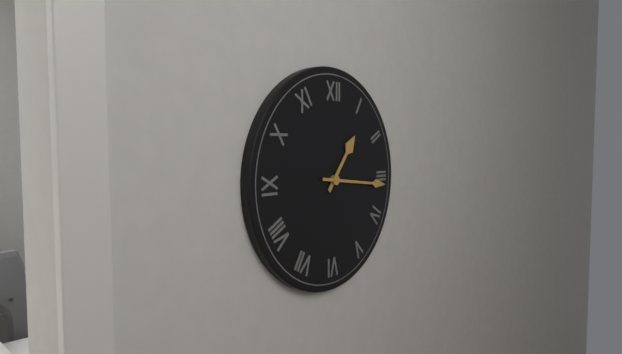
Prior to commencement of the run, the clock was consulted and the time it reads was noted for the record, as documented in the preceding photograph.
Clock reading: 1:16
